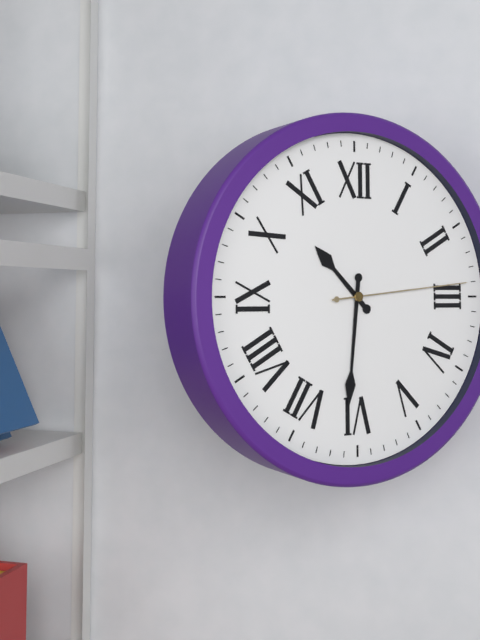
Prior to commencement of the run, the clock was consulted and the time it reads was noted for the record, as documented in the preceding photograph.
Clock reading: 10:31:14
